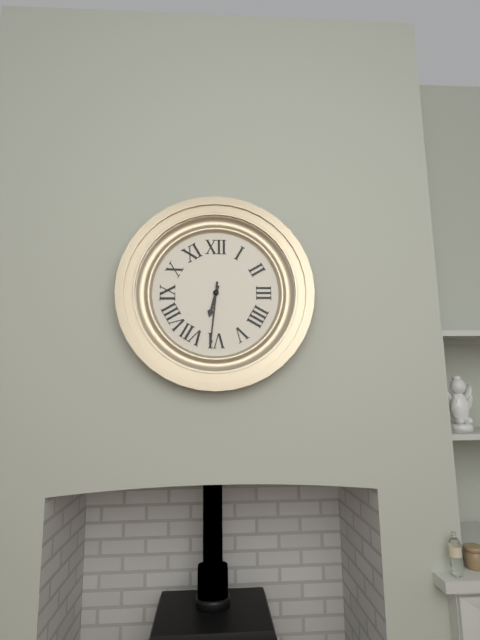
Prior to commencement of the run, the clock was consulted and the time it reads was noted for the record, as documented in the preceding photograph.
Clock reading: 6:31
